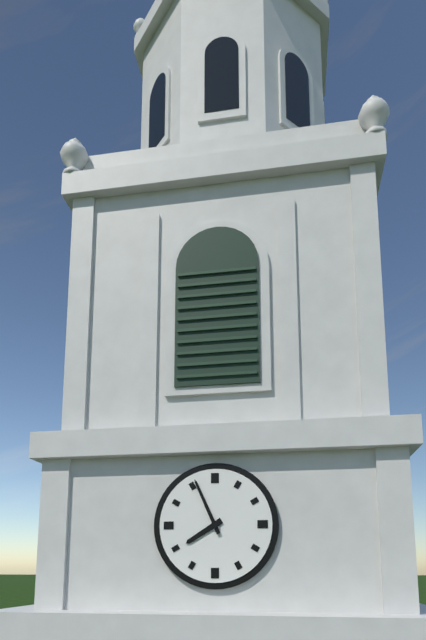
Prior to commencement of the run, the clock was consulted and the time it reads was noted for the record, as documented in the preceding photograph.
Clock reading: 7:56
